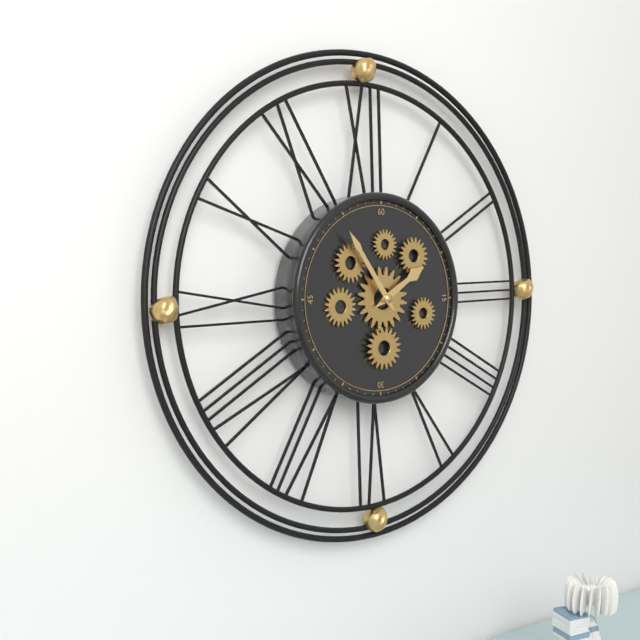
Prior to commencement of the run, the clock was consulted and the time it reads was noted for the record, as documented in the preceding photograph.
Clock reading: 1:54
